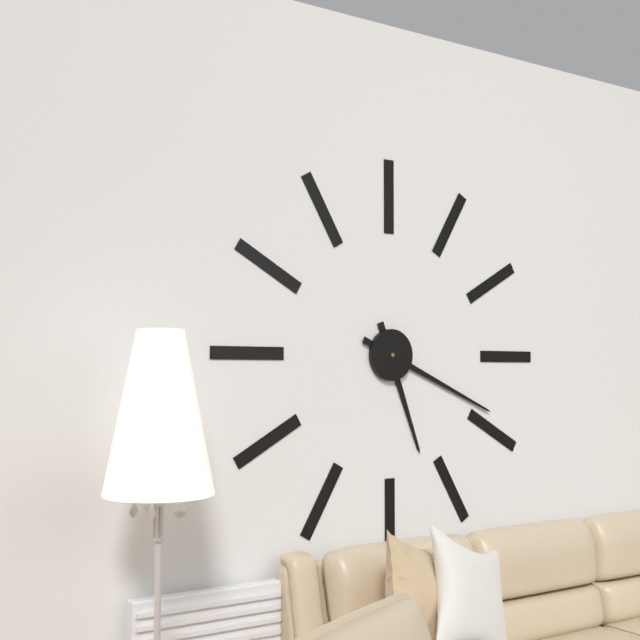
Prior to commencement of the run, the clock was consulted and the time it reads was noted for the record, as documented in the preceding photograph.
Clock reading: 5:19
